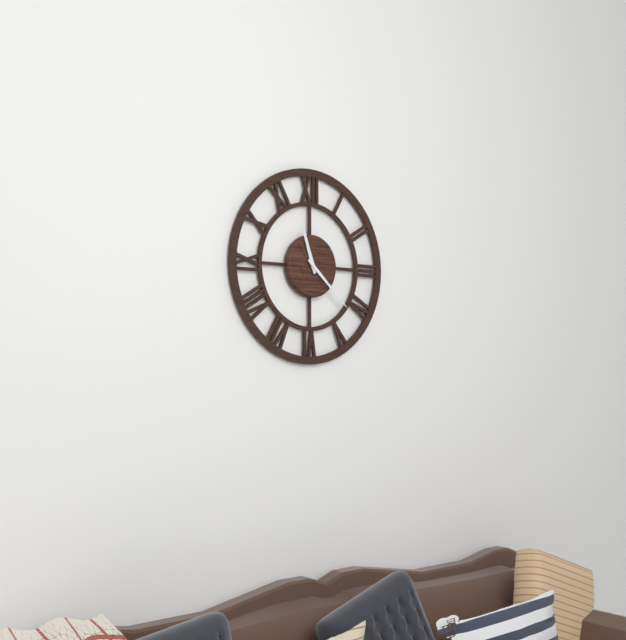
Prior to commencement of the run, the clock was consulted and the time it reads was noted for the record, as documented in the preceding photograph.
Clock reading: 11:22
